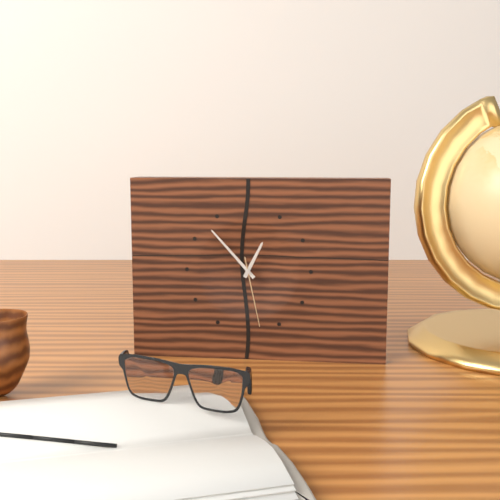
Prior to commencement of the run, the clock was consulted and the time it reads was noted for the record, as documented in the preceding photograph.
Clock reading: 12:53:28
